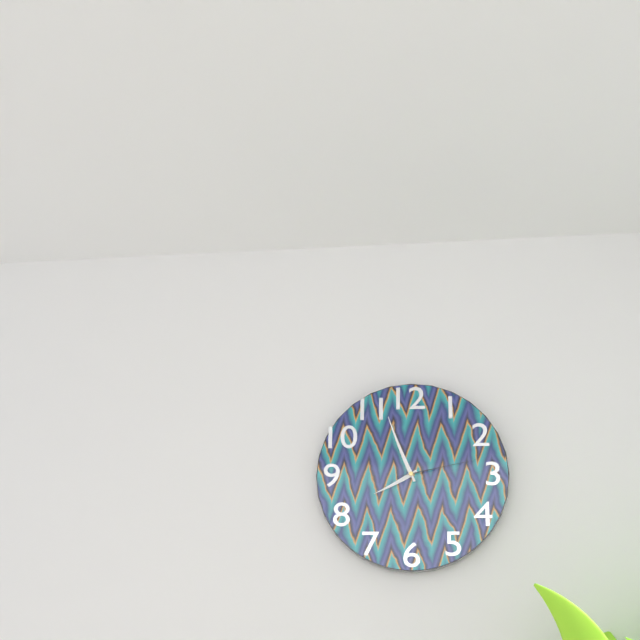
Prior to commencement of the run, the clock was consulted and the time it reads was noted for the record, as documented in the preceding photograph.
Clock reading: 7:56:13
